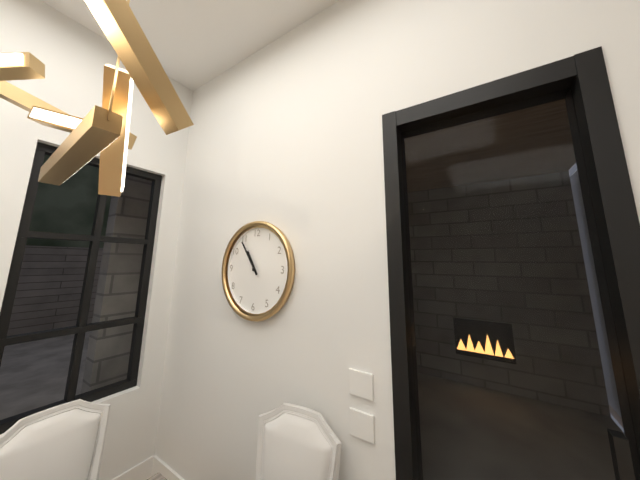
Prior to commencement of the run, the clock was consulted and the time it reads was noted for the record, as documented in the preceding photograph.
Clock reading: 10:54
